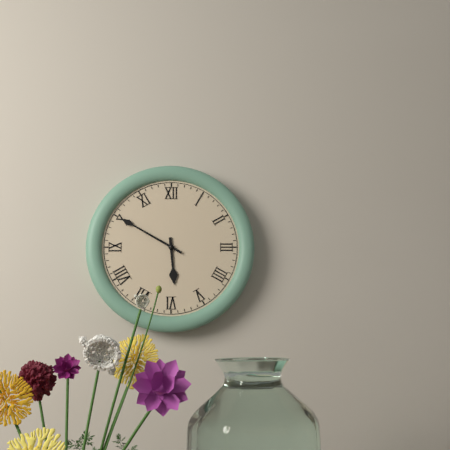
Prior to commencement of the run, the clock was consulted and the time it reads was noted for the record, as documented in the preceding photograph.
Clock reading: 5:50
